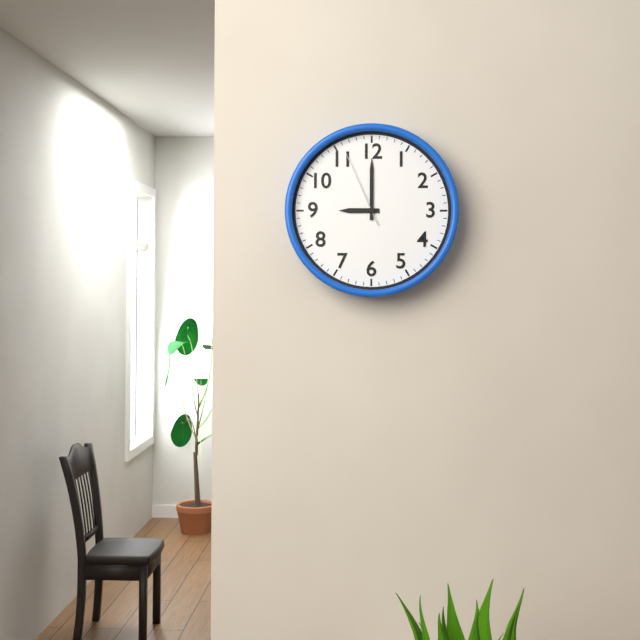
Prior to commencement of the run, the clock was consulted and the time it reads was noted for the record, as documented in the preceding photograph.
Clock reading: 9:00:56
